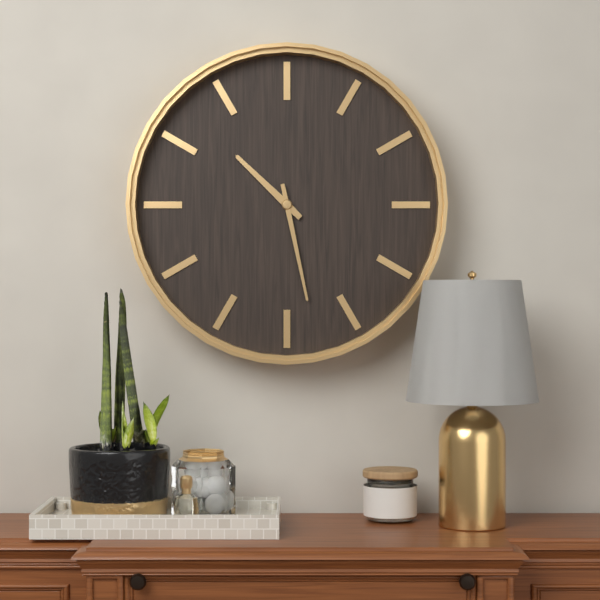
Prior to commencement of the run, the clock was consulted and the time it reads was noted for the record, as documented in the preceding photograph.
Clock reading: 10:28
